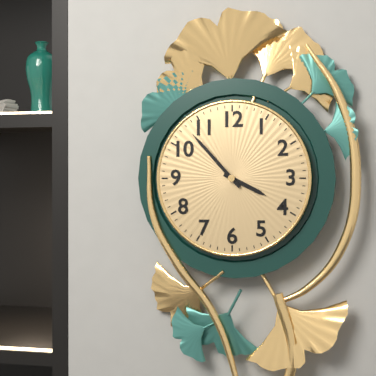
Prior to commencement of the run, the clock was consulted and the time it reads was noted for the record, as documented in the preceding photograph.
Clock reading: 3:53
